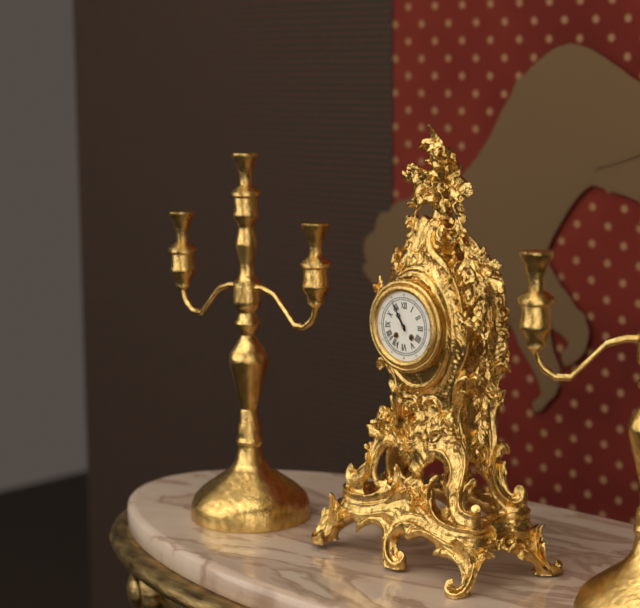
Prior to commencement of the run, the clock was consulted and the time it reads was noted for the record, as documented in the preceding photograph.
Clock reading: 10:55
